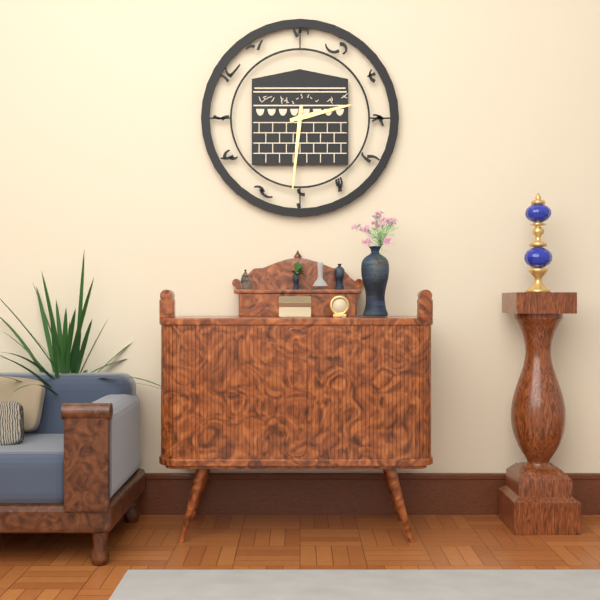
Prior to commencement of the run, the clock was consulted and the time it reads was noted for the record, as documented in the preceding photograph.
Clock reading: 2:31
